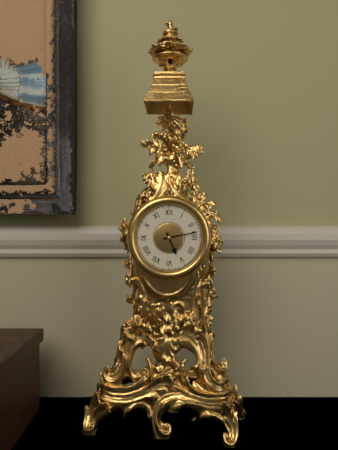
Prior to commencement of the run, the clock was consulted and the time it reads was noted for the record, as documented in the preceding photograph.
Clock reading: 5:13
